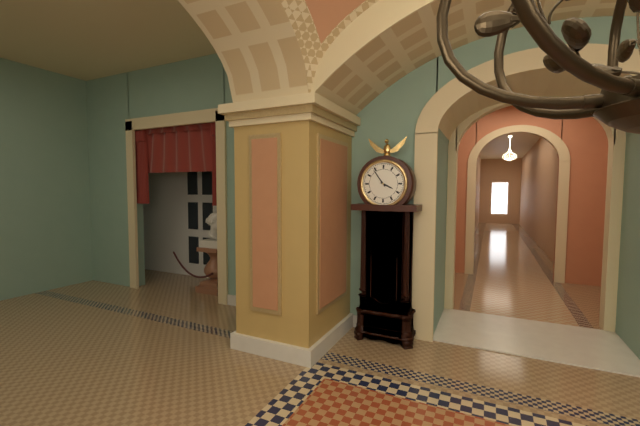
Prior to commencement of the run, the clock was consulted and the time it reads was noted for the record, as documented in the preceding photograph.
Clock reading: 3:54
